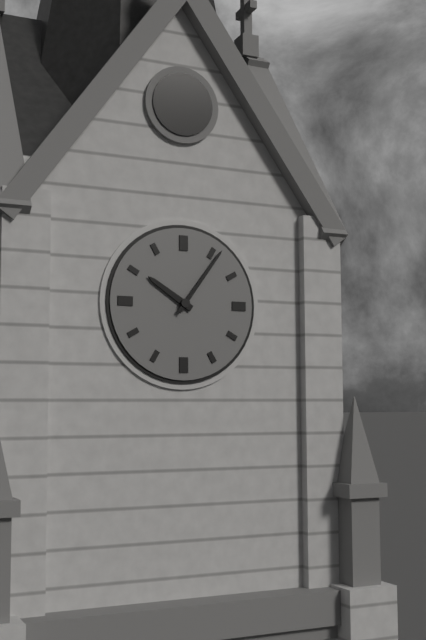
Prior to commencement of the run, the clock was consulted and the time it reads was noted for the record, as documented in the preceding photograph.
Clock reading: 10:06
